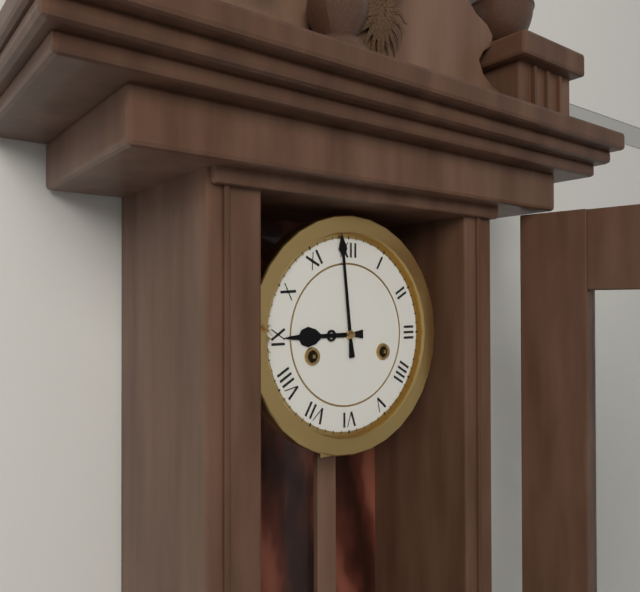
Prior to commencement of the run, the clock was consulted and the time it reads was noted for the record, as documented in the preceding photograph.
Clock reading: 8:59
